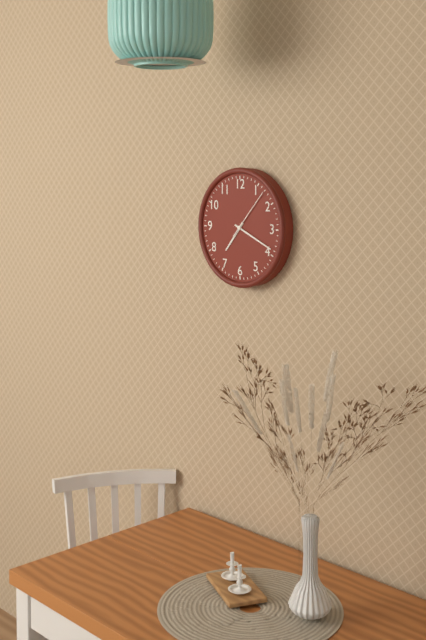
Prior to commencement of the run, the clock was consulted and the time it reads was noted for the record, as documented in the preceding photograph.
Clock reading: 7:19:07
